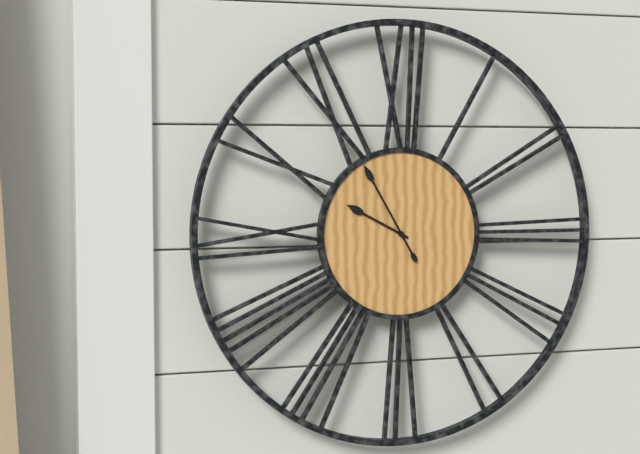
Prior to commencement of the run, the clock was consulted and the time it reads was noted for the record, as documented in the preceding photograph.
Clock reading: 9:55
